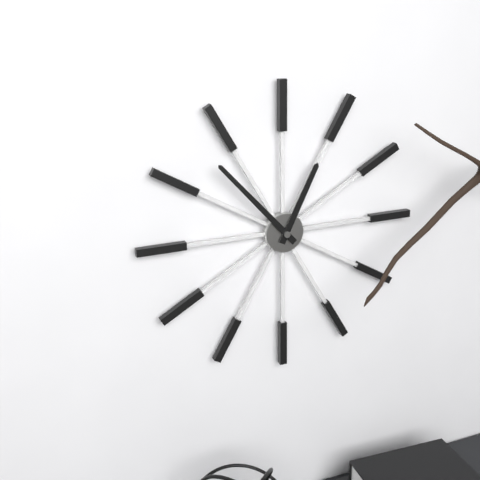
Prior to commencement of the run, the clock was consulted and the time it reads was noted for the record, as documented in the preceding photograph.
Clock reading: 12:53
